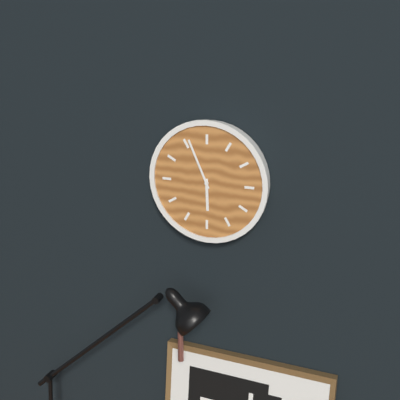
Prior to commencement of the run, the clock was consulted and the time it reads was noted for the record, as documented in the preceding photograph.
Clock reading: 5:56
